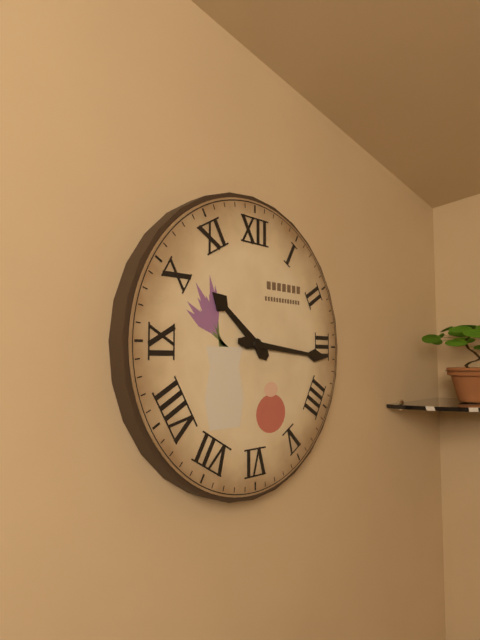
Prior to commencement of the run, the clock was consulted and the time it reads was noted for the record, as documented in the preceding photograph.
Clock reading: 10:16
